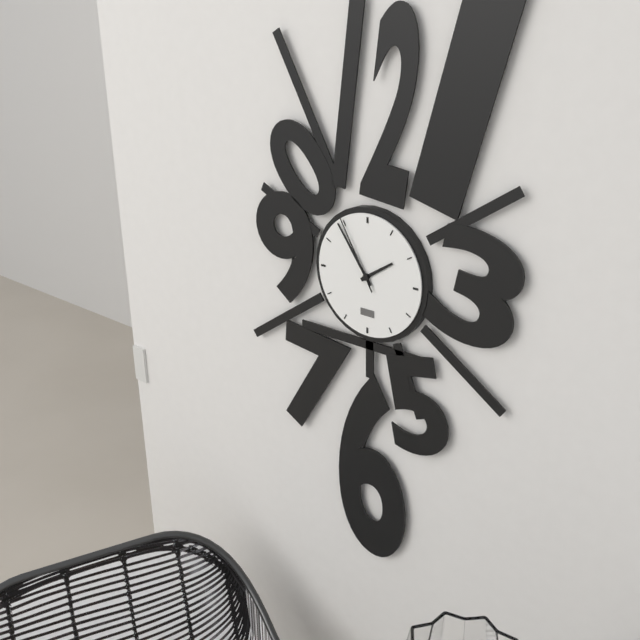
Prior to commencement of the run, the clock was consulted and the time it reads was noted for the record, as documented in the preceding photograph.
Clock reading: 1:54:55
